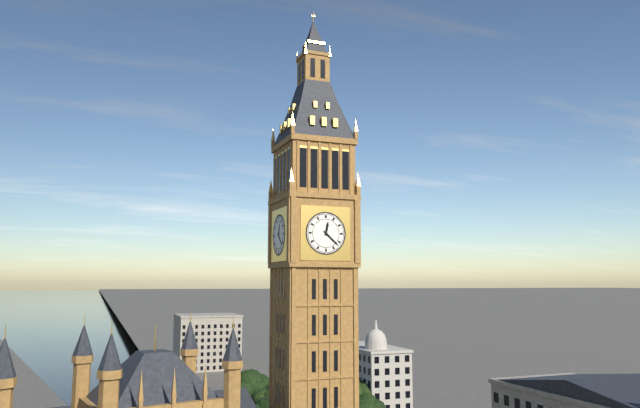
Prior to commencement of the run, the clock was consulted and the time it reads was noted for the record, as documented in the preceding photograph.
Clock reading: 12:22
